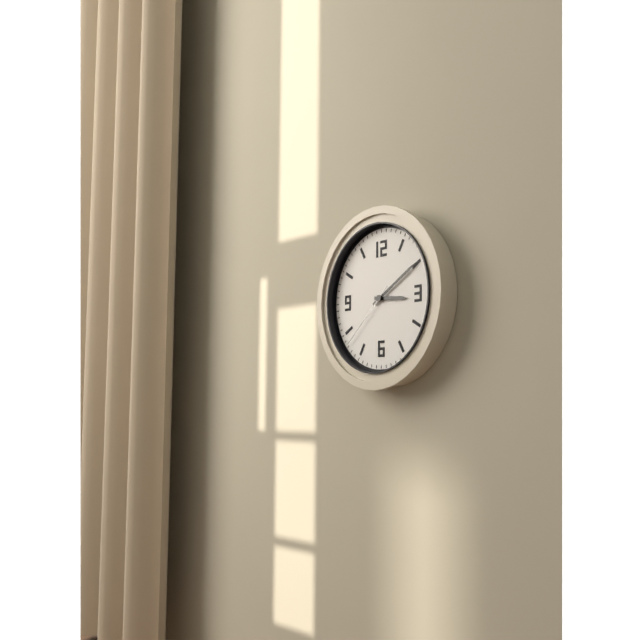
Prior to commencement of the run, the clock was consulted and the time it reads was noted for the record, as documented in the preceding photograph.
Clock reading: 3:10:38
